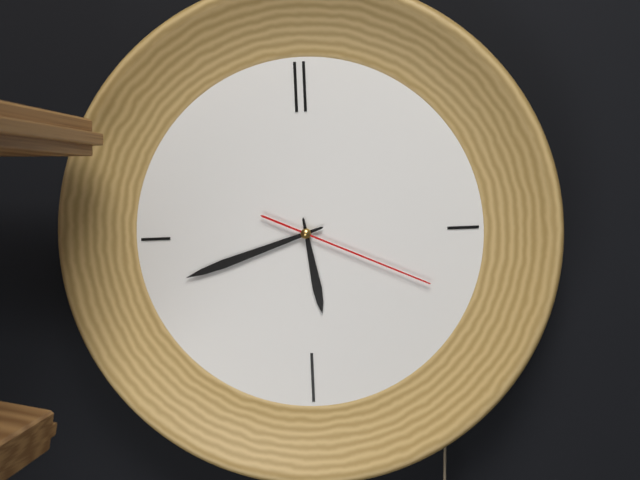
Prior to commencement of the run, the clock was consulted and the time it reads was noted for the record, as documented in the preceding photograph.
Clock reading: 5:42:19
